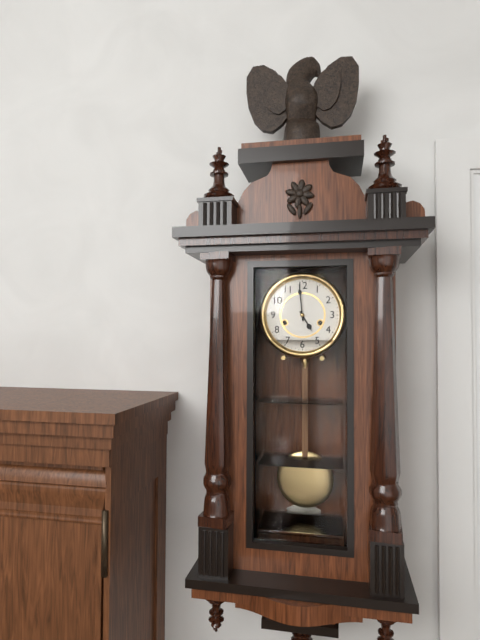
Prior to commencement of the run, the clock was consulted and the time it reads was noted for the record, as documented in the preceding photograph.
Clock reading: 4:59
